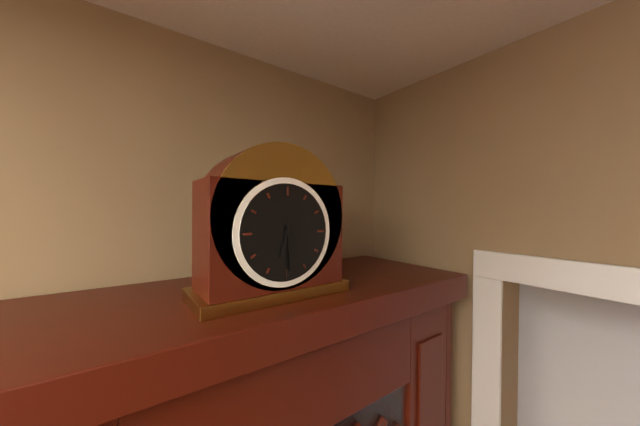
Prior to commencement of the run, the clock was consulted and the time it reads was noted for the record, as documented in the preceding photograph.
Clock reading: 6:29
